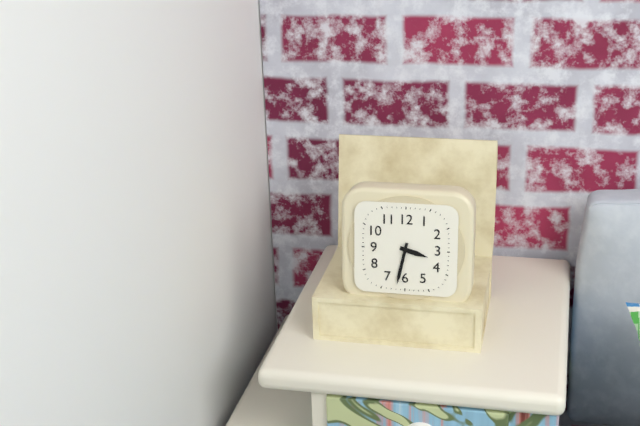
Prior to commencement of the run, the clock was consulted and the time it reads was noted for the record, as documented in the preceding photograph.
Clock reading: 3:32
